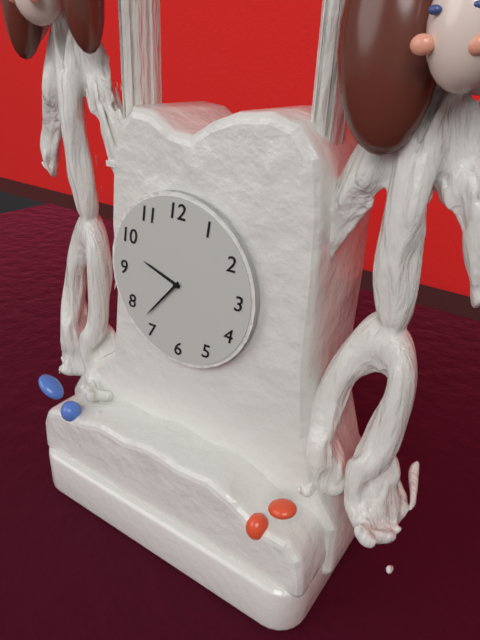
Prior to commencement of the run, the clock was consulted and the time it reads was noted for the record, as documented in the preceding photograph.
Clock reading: 9:37
